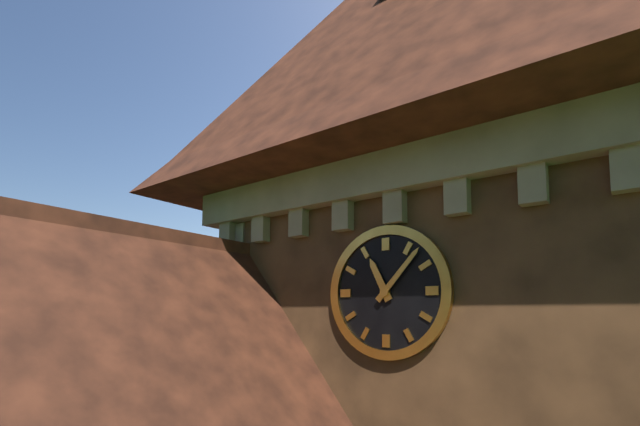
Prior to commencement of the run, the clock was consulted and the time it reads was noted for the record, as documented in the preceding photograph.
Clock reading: 11:07
